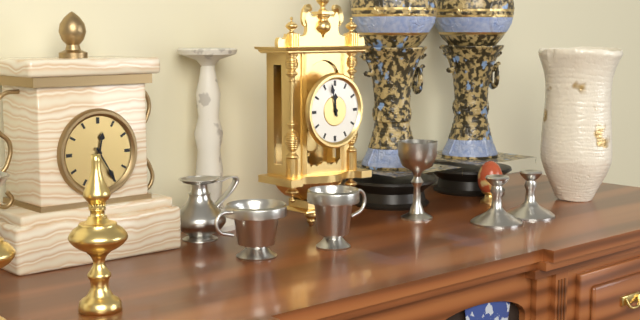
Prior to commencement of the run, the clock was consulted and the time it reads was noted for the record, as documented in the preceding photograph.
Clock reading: 11:58
